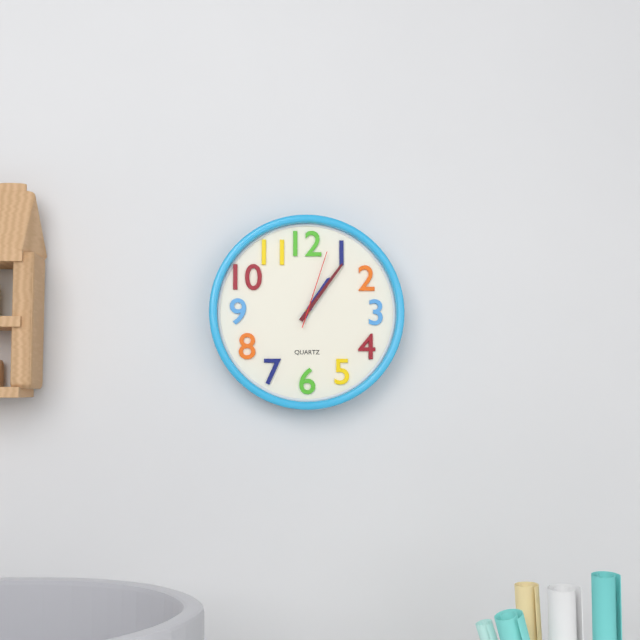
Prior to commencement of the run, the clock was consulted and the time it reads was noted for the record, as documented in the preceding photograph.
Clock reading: 1:06:03
